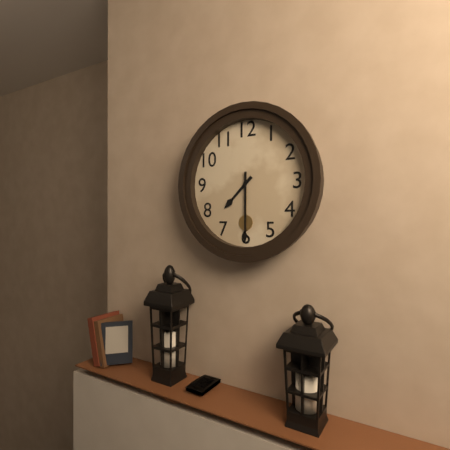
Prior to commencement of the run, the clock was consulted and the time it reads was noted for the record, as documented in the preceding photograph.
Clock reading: 7:30
